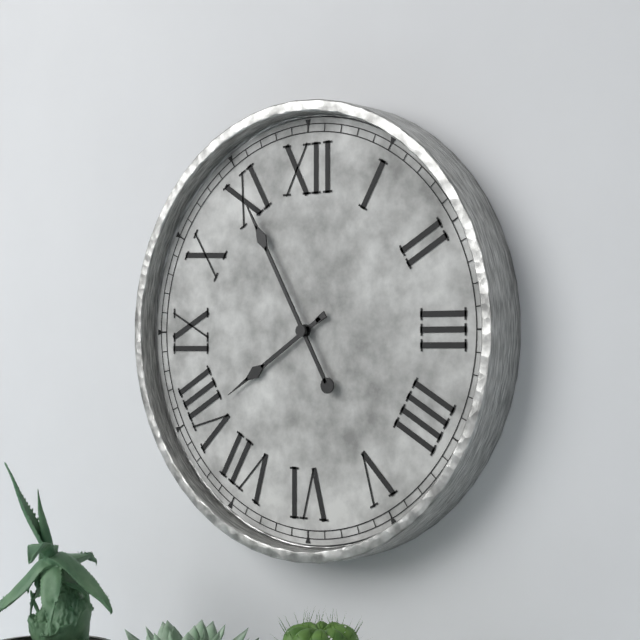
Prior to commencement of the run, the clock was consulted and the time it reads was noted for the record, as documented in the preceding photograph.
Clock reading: 7:55
